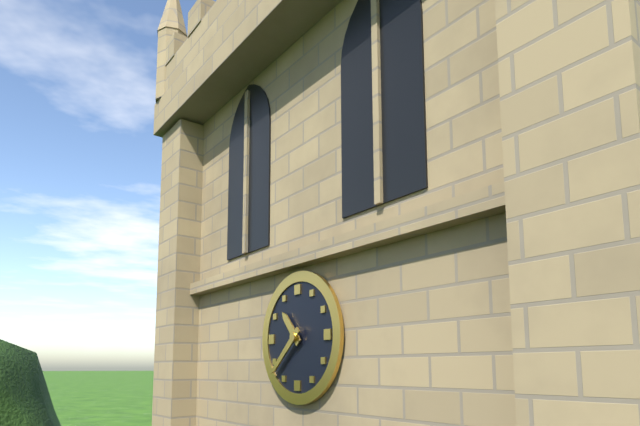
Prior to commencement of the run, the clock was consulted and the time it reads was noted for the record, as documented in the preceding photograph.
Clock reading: 10:38
